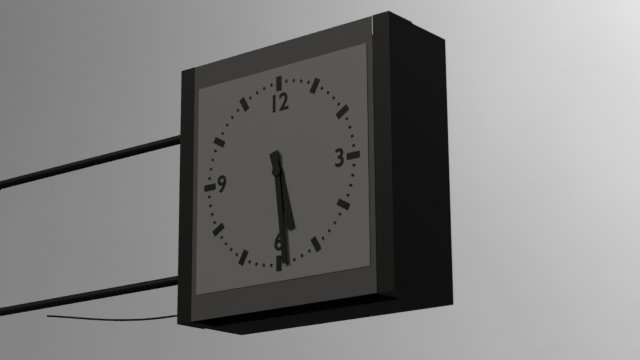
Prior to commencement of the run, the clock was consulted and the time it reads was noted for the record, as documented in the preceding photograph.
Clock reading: 5:29
